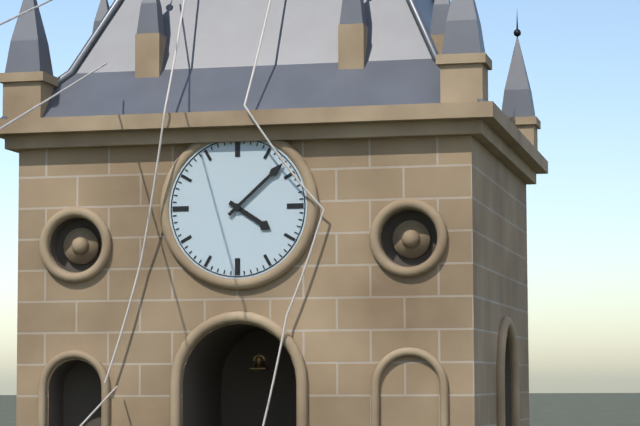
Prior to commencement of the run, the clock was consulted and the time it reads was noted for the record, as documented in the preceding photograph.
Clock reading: 4:08
